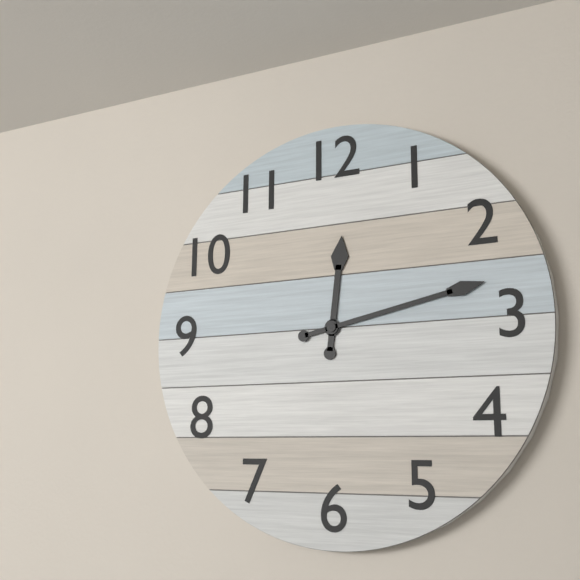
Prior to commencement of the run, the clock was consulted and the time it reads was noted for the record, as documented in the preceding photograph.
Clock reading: 12:13
